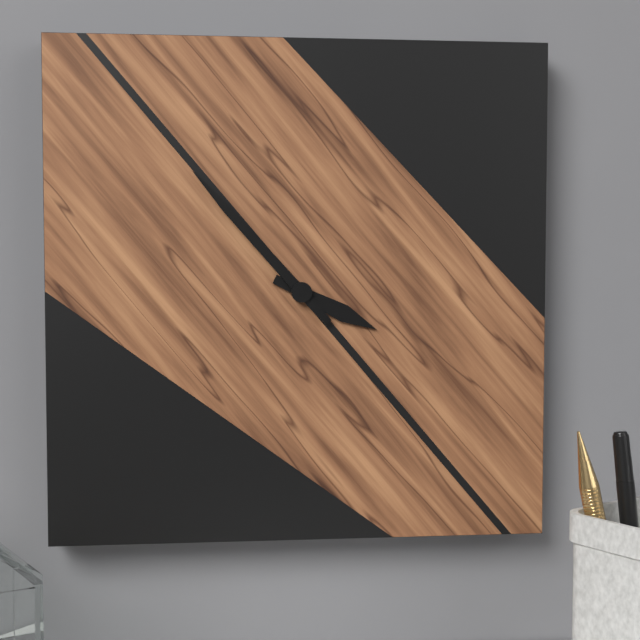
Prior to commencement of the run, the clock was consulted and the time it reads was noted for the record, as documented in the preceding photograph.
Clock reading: 3:53
